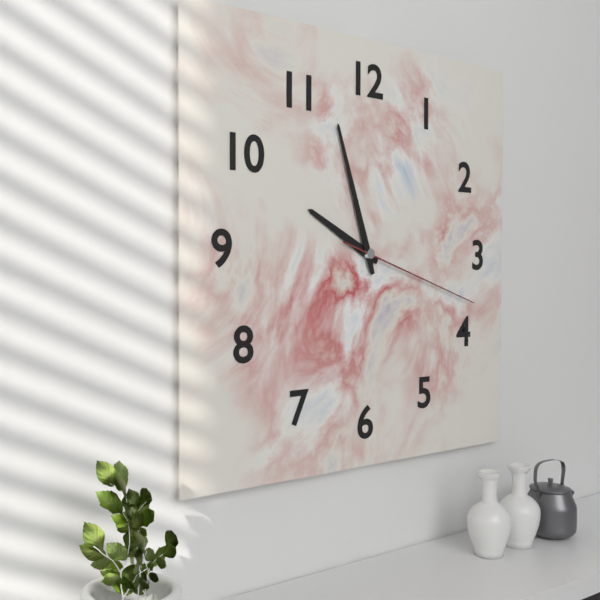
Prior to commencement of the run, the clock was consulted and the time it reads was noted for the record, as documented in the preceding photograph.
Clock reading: 9:57:18
